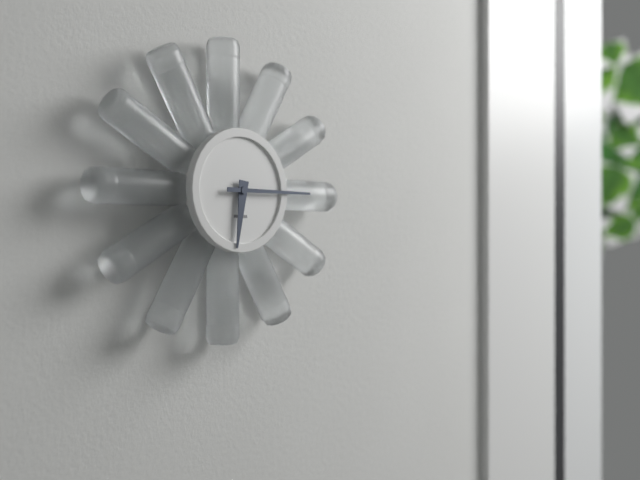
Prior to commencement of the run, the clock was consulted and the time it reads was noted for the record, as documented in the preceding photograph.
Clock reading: 6:15
